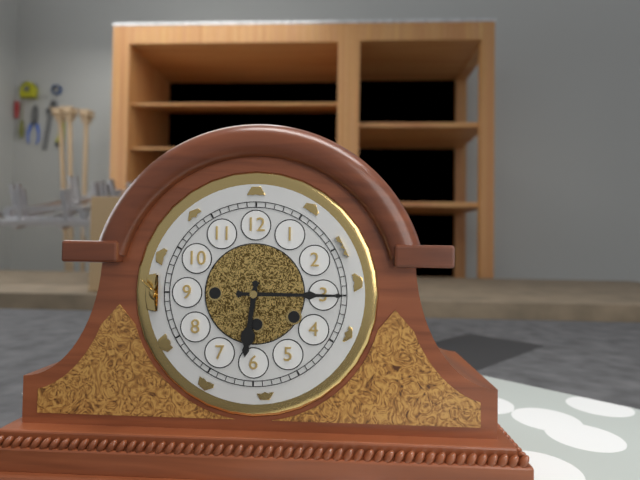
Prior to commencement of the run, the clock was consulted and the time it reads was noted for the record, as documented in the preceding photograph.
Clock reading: 6:15
